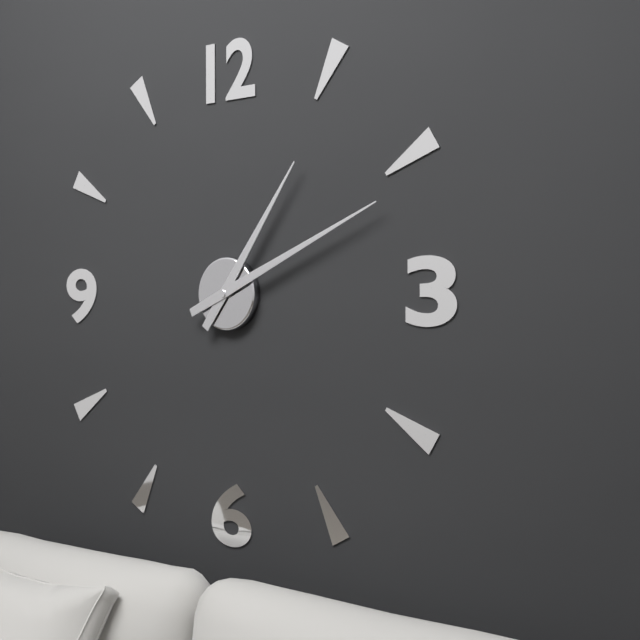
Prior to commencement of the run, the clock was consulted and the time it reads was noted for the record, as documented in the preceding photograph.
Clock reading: 1:11
